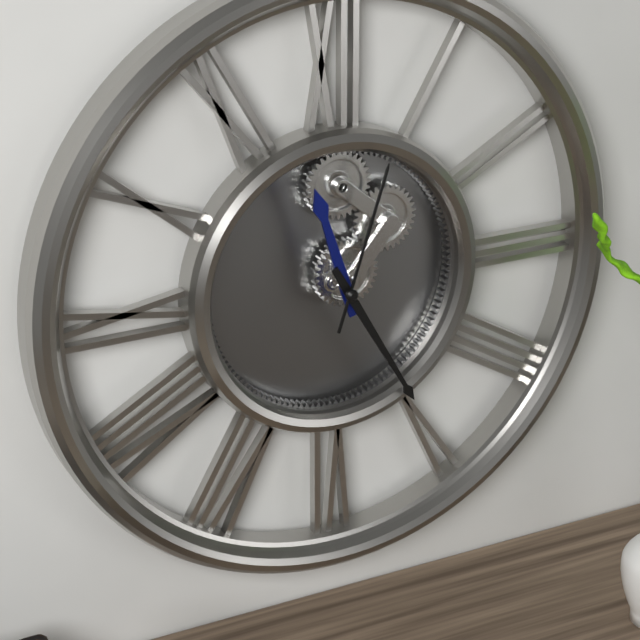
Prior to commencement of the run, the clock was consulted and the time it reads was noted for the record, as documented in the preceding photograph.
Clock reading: 11:25:03
